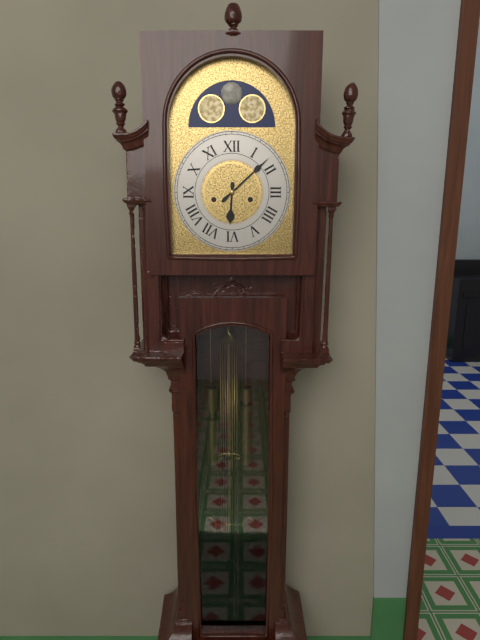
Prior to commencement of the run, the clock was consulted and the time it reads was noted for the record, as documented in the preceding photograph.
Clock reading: 6:08
